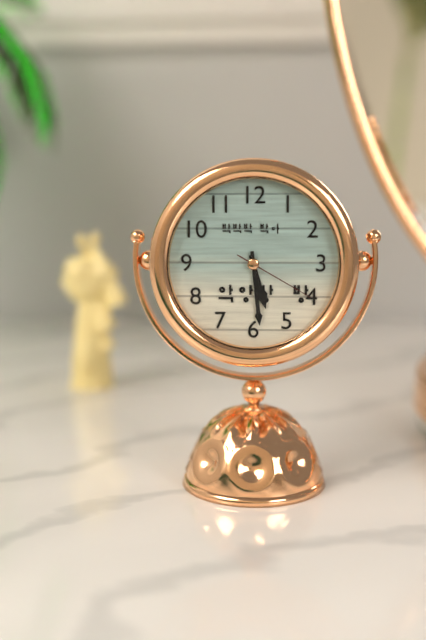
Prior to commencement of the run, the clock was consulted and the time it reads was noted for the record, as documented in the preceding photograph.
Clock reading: 5:29:20
